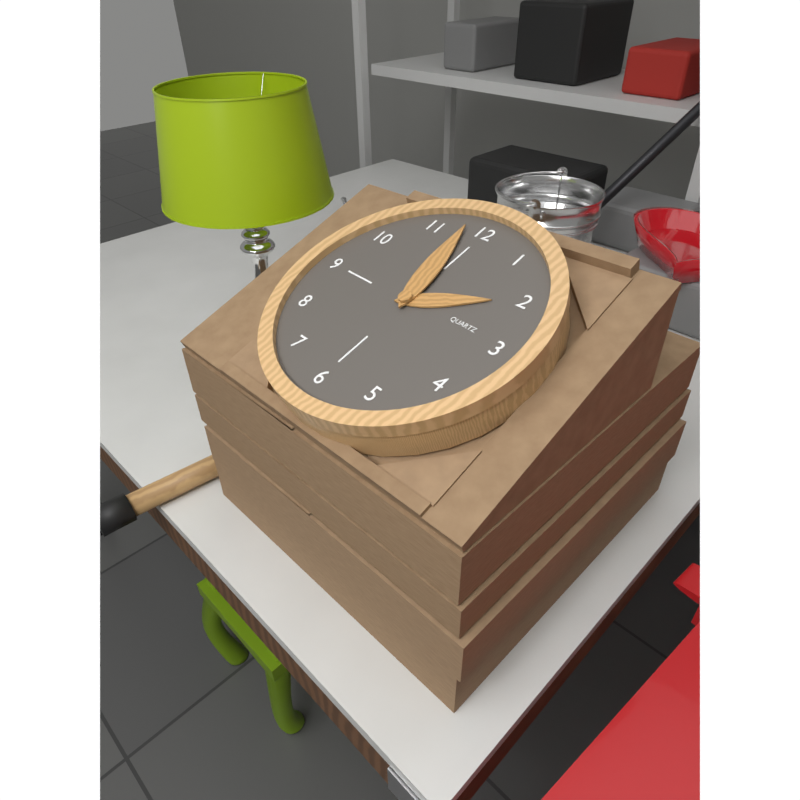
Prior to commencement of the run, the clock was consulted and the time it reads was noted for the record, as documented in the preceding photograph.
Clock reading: 1:58
